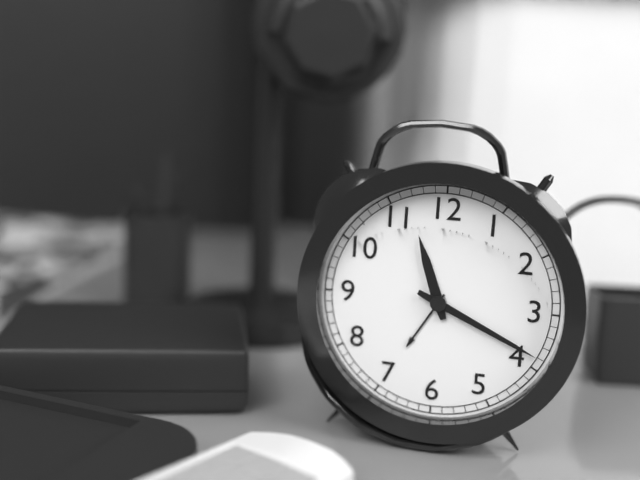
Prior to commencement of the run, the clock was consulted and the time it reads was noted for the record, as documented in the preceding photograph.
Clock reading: 11:19
